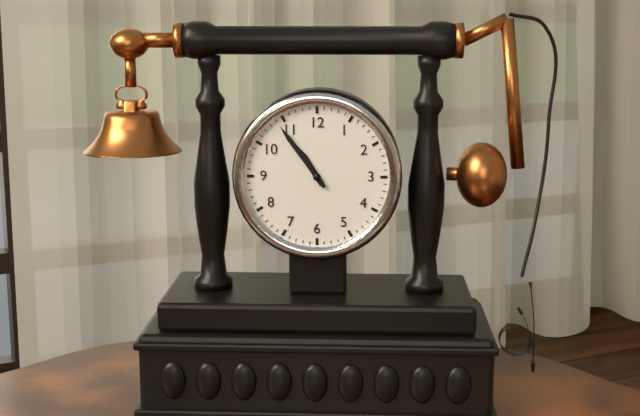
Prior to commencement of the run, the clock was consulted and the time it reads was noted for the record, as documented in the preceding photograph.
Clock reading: 10:54
